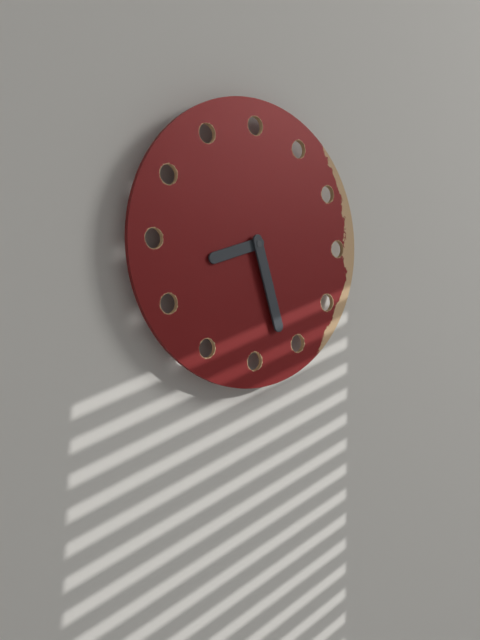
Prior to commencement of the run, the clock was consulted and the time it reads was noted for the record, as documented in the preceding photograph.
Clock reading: 8:27
